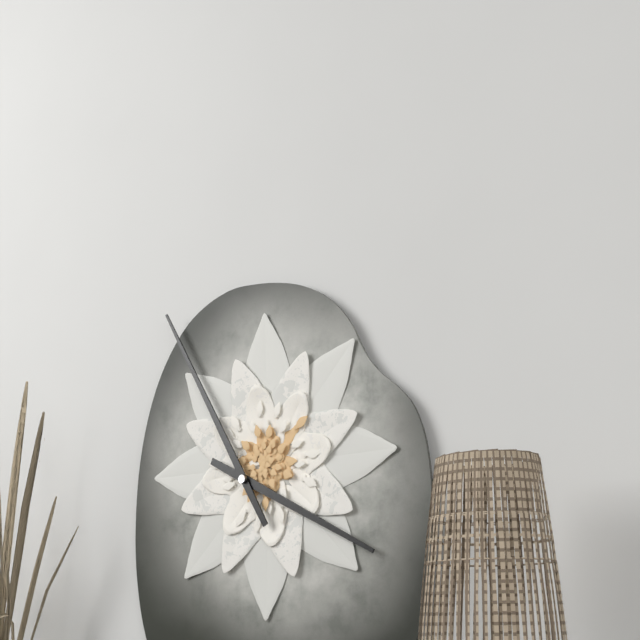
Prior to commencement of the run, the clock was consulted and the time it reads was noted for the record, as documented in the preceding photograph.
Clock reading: 3:55
